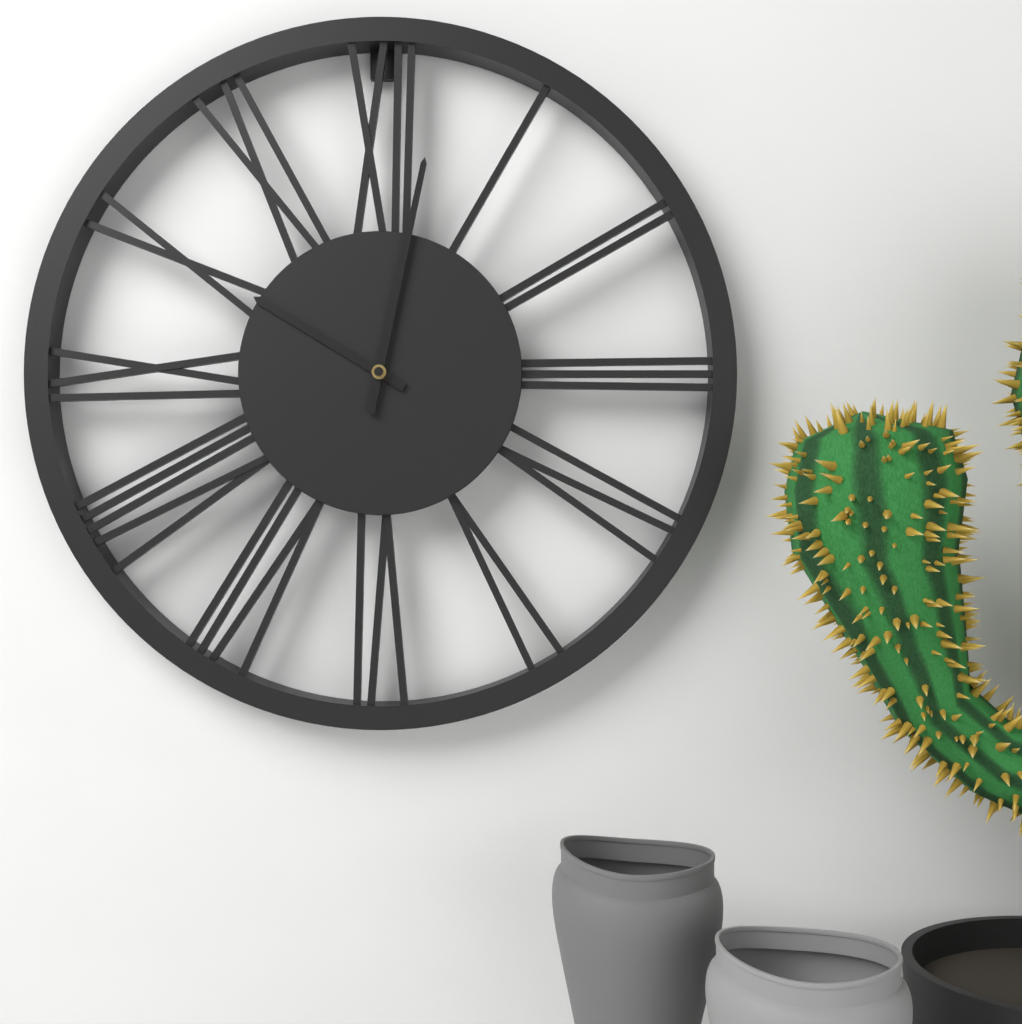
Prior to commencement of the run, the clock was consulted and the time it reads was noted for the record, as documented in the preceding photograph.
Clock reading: 10:02
